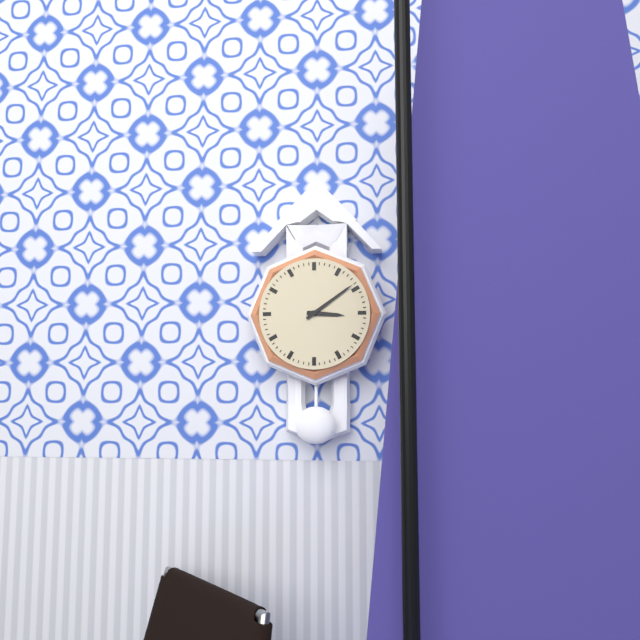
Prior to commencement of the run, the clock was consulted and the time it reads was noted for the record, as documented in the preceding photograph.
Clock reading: 3:09
